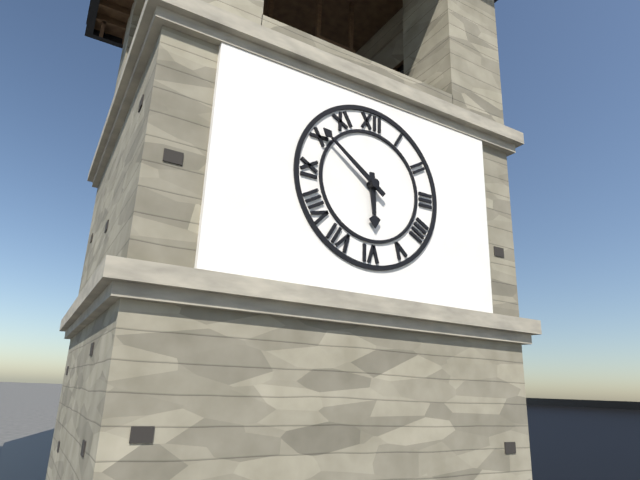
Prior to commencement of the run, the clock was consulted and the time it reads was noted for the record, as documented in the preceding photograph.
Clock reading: 5:51
